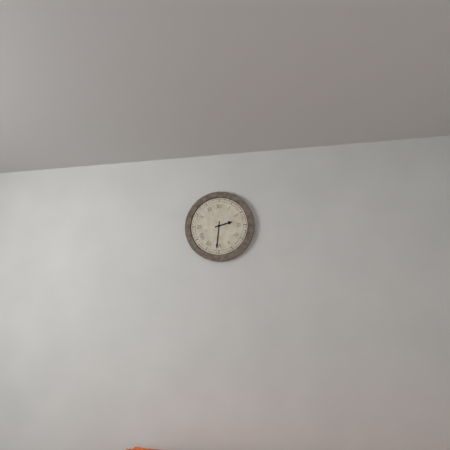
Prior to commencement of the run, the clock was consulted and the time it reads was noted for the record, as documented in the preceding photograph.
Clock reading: 2:31
